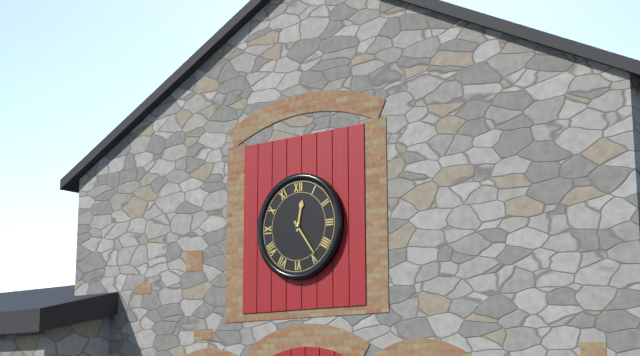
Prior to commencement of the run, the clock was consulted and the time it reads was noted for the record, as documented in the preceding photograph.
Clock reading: 12:24
